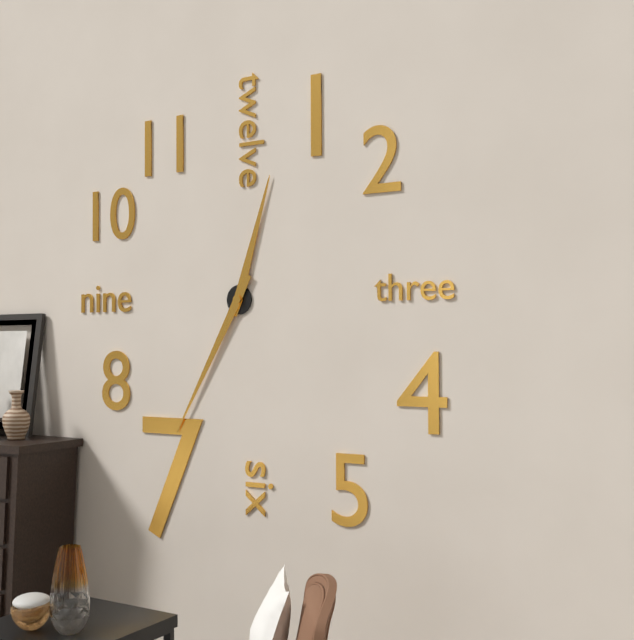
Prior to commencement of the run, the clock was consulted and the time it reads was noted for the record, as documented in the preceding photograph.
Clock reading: 12:35
